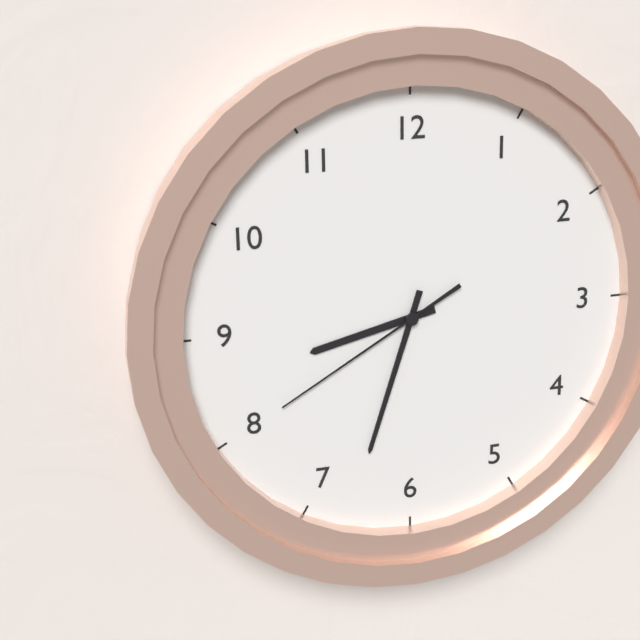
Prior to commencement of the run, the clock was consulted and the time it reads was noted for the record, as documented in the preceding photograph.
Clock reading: 8:33:40
